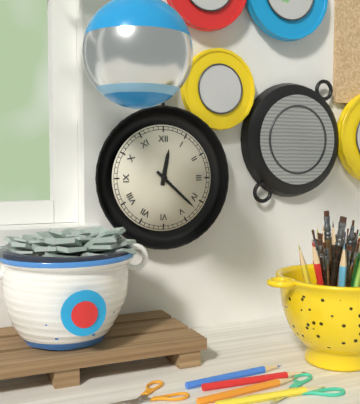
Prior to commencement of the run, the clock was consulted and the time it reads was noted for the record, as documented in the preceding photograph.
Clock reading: 12:22
